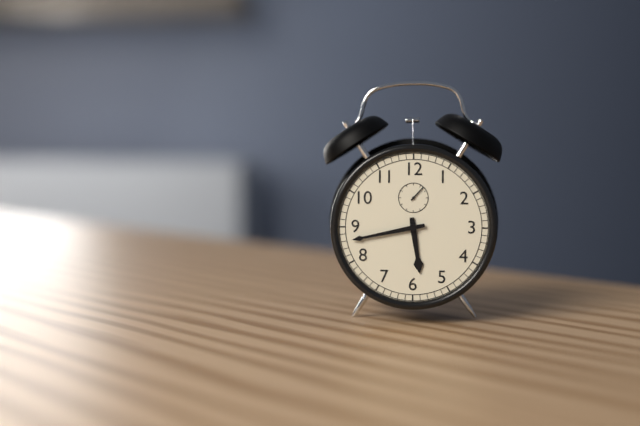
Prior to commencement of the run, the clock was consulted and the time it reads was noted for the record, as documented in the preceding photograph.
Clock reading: 5:43
